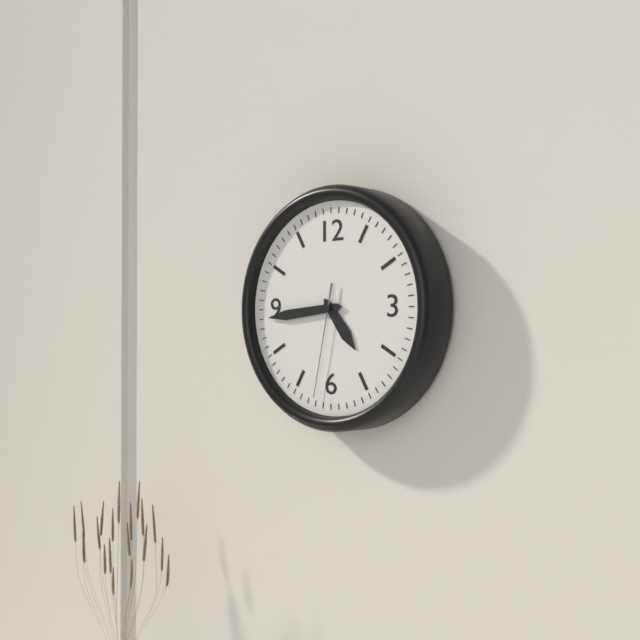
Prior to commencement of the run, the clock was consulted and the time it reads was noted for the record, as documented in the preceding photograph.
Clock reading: 4:44:32
